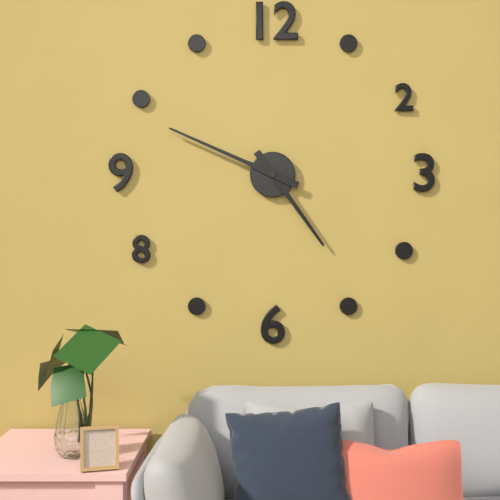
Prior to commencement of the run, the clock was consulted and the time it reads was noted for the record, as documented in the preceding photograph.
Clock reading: 4:49
